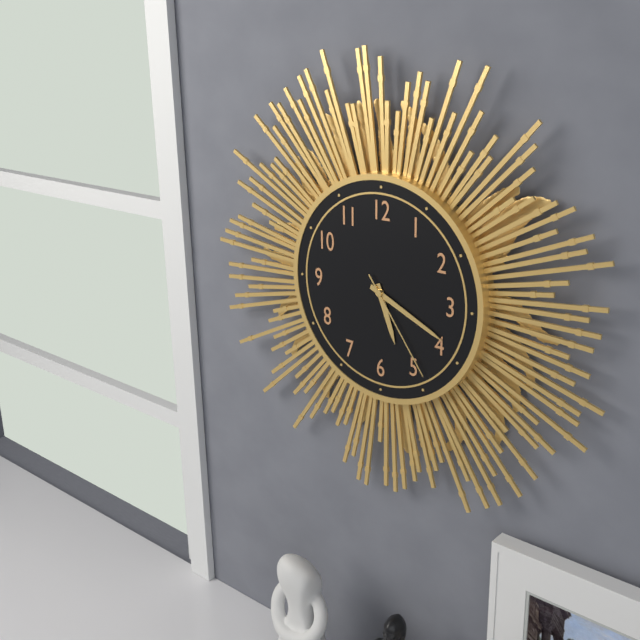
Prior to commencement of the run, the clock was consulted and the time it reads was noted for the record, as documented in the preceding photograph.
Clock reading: 5:19:24
